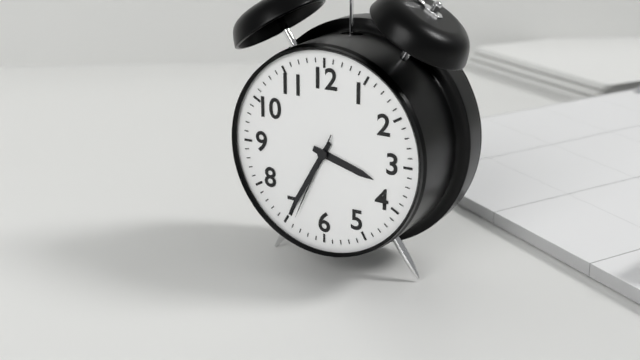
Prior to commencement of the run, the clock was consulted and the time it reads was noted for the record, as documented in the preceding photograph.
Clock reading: 3:35:34
